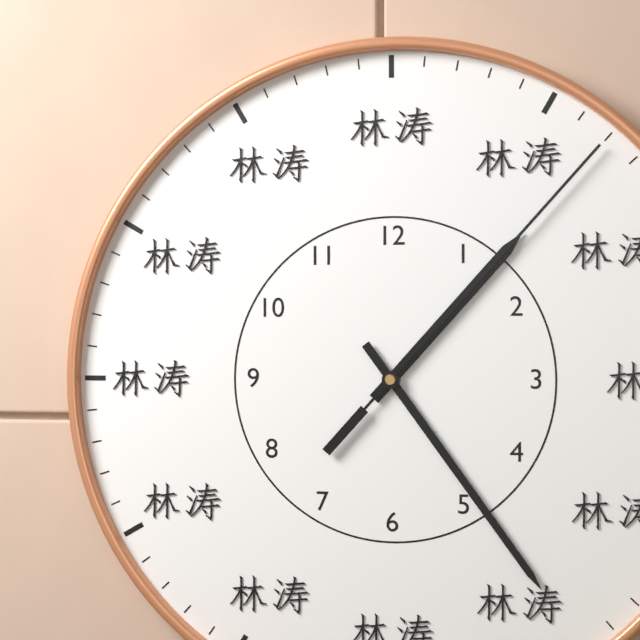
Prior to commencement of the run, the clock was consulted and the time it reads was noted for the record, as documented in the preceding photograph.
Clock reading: 1:24:07
